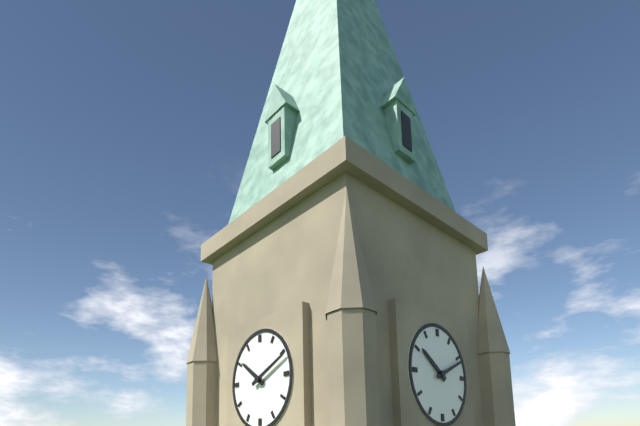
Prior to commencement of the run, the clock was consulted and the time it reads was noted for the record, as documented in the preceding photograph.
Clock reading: 10:11
